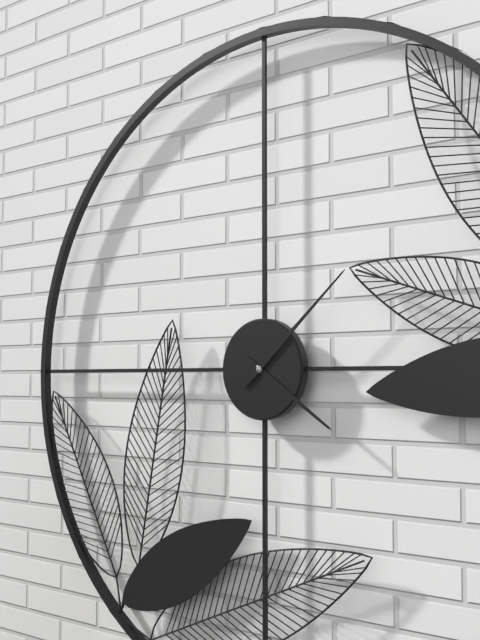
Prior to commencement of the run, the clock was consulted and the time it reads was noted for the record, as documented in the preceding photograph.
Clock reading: 4:08
